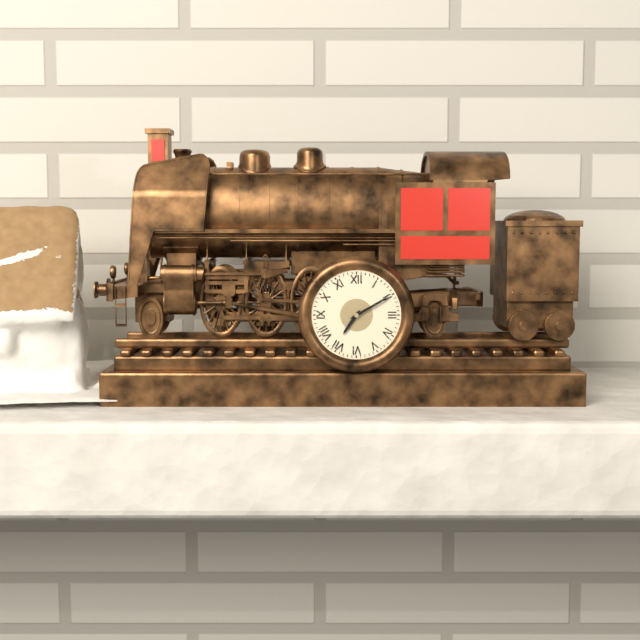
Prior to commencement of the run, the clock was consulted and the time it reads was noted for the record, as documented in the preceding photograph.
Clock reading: 7:10
